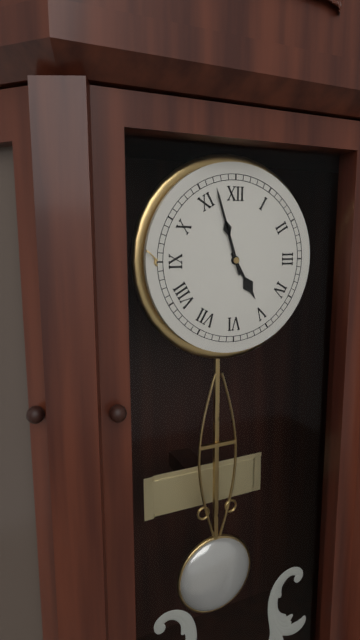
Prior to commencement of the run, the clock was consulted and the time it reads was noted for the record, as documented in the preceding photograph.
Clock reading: 4:57
